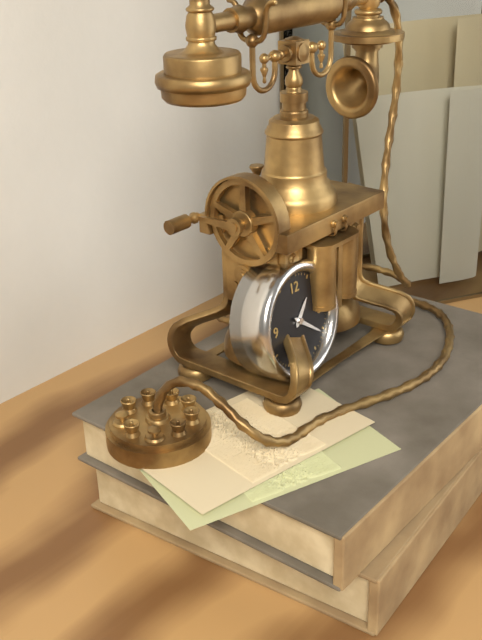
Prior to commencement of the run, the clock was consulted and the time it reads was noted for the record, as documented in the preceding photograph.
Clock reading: 1:21
